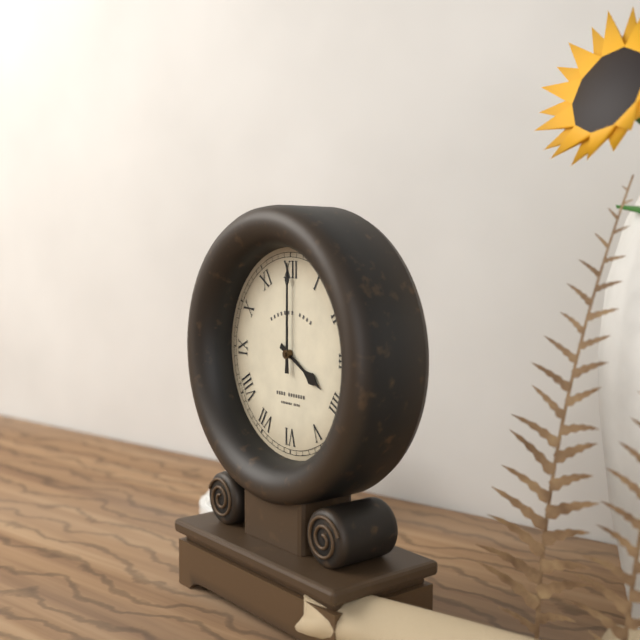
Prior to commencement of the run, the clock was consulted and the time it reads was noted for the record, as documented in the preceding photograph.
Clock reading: 4:00
